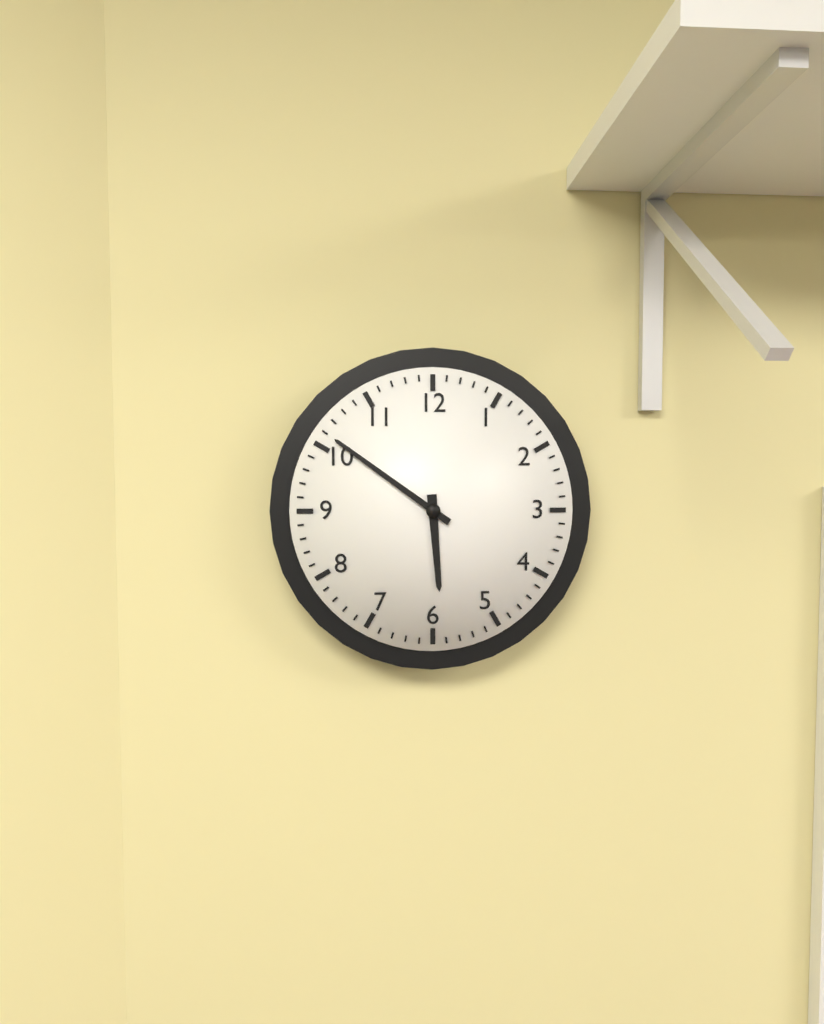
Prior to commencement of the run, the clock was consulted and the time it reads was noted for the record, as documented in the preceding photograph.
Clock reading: 5:51
